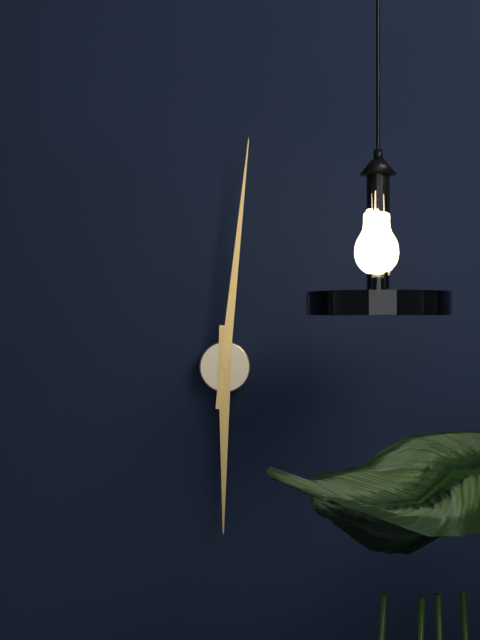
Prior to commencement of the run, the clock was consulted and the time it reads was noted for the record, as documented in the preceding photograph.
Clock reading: 6:01
